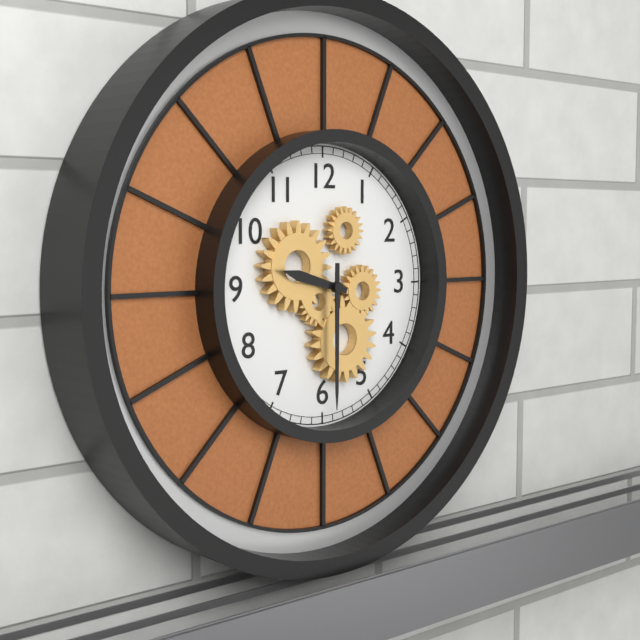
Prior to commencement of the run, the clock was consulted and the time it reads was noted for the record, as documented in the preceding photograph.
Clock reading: 9:30
